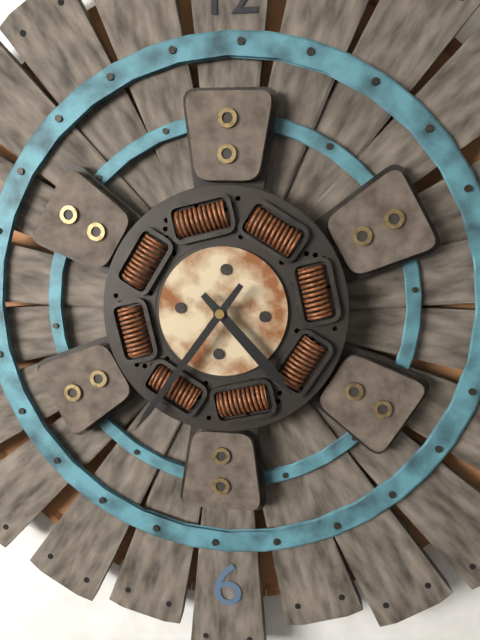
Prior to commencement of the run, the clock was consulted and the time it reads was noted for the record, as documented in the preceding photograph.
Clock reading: 4:36
